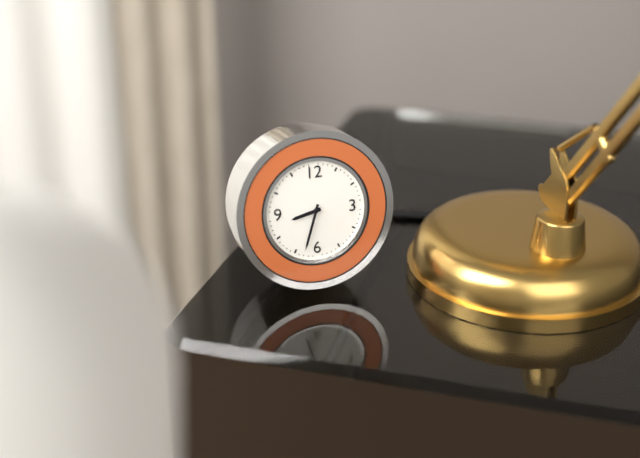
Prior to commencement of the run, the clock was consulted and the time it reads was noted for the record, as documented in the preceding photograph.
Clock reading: 8:33
